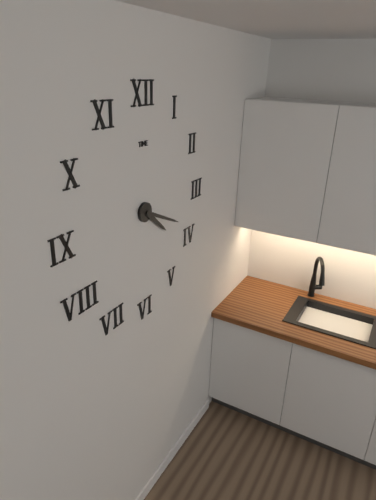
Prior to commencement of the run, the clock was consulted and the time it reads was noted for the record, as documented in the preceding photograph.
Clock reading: 4:19
